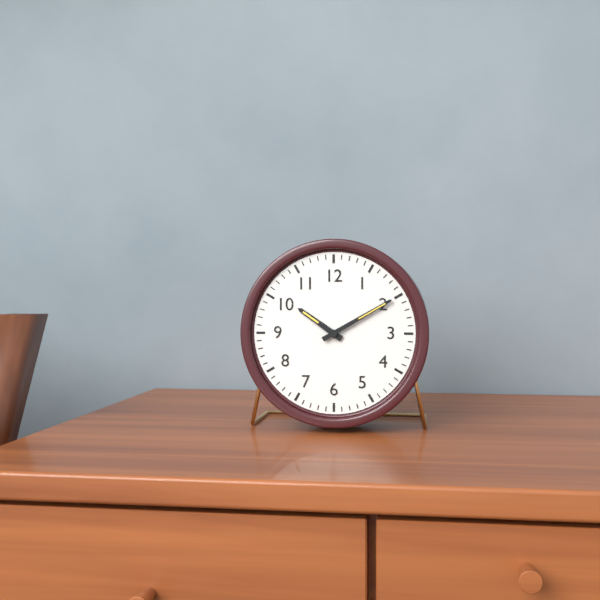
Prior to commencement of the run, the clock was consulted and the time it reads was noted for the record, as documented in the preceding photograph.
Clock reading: 10:10
